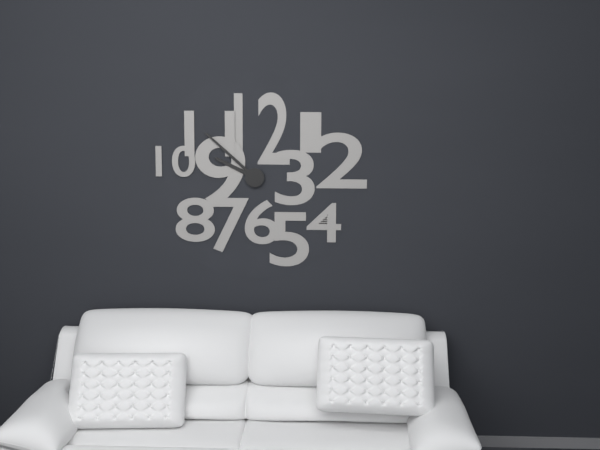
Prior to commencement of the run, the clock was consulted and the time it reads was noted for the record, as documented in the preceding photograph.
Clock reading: 9:52
